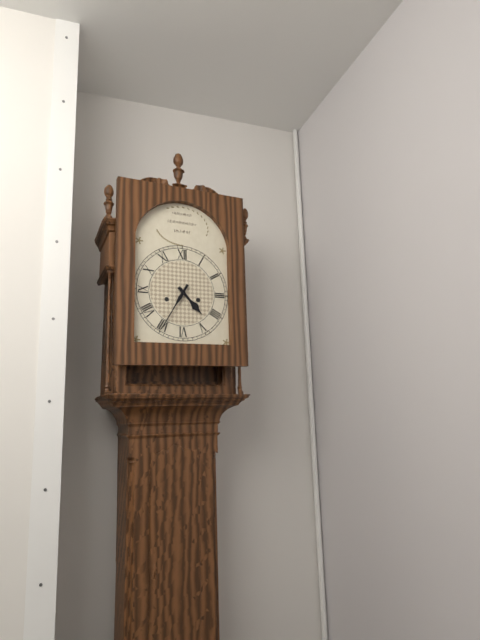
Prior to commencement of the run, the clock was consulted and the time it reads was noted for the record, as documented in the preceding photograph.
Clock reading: 4:35
